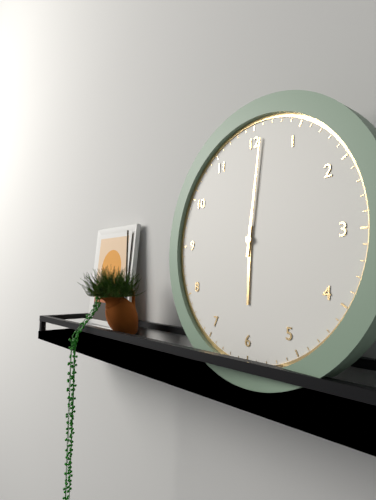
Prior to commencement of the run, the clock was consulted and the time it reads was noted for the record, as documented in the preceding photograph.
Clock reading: 6:01
